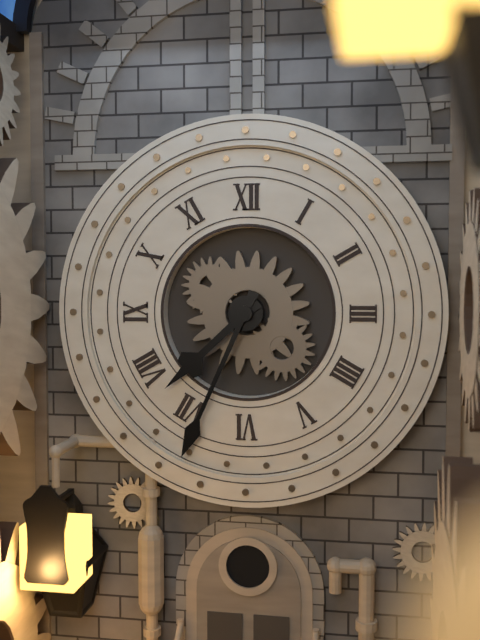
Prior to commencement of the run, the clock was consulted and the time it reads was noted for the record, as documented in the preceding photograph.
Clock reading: 7:34
